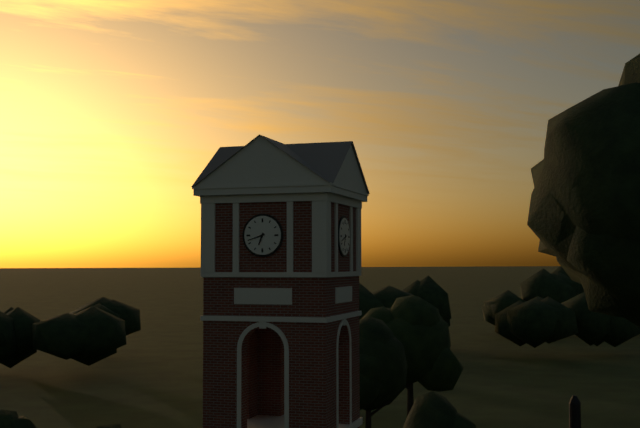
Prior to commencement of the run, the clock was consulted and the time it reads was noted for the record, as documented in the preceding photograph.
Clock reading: 6:42
